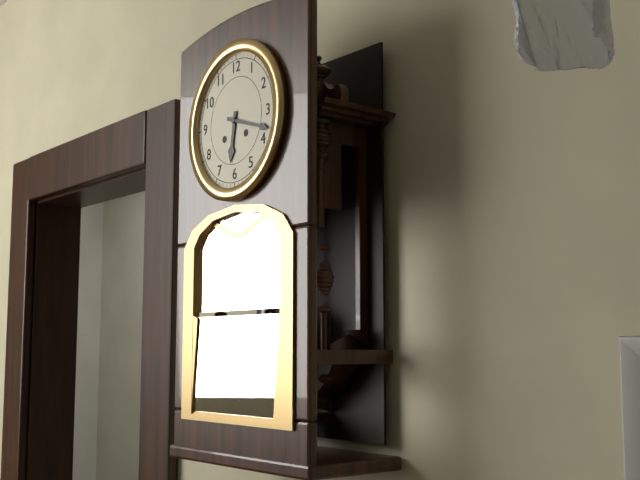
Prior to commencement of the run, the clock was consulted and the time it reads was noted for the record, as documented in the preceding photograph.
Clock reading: 6:18
